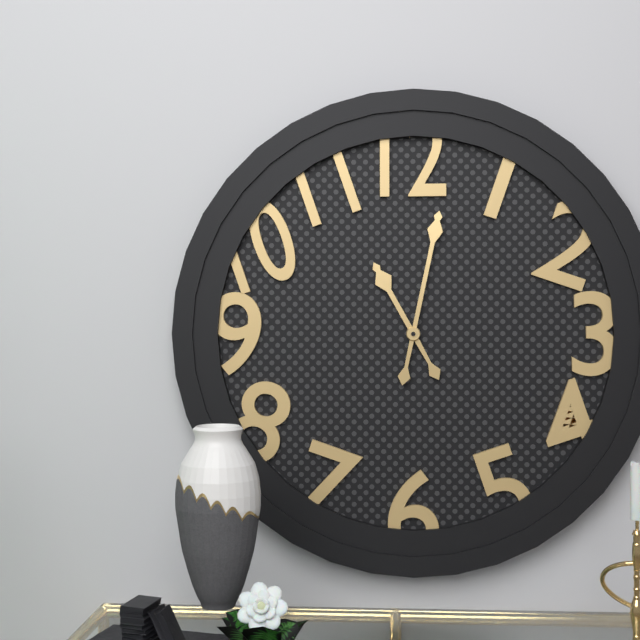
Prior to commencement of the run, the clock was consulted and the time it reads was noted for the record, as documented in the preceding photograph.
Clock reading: 11:02
